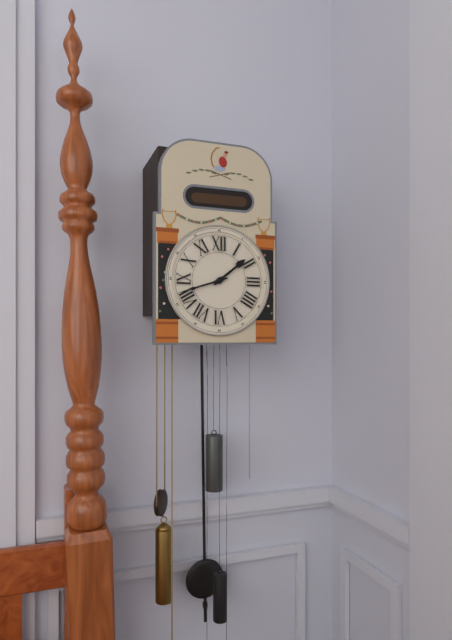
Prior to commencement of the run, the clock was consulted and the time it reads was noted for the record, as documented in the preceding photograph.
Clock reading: 1:42
